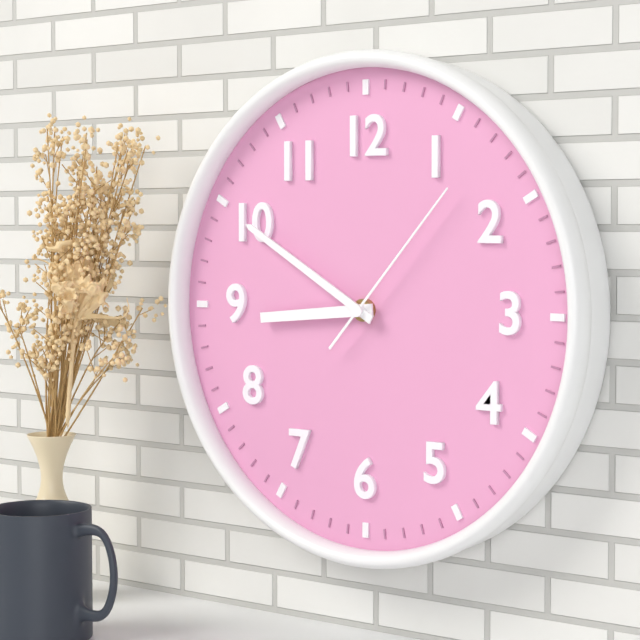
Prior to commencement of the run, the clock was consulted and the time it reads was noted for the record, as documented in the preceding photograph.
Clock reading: 8:50:07
